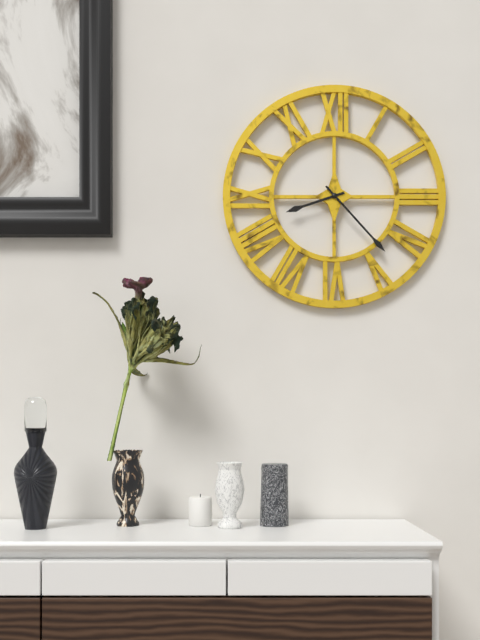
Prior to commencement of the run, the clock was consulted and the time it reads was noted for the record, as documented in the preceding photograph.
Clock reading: 8:23
